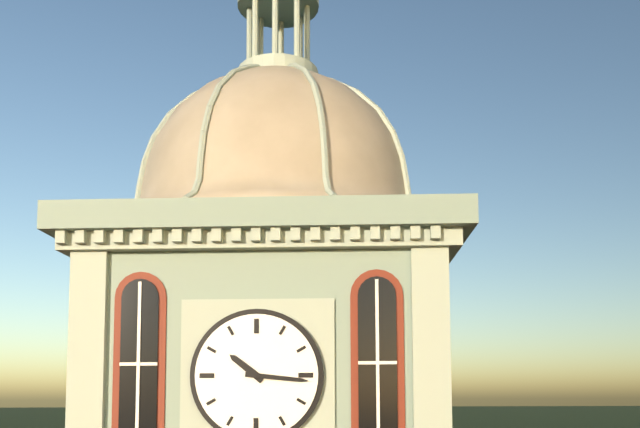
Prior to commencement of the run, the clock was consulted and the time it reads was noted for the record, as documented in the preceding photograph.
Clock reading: 10:16
